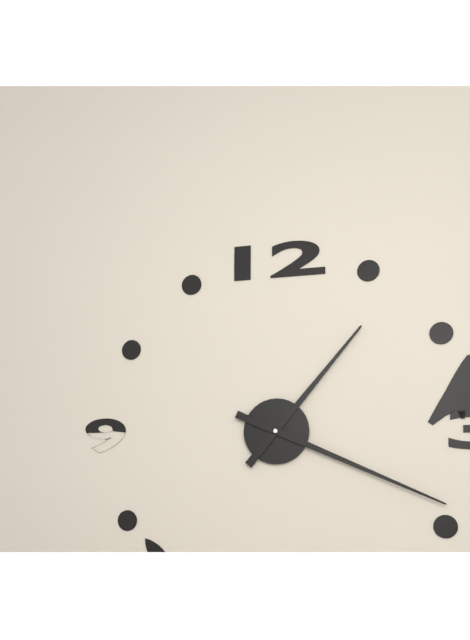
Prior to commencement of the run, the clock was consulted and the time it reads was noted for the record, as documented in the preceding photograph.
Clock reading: 1:19
